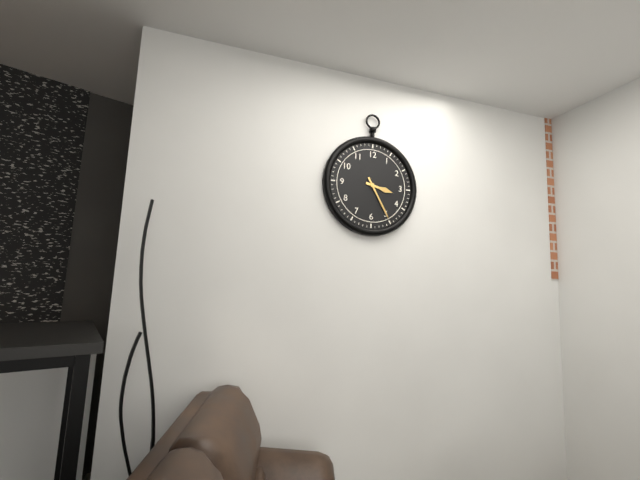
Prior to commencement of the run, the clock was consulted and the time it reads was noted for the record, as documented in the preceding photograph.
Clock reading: 3:25
